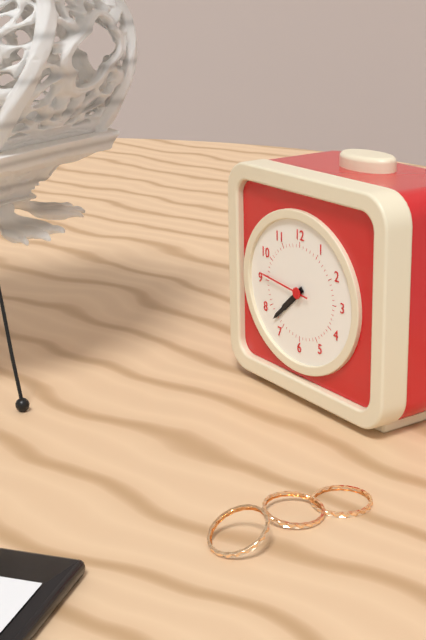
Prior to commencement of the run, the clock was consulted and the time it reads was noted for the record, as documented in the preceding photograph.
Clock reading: 7:38:46
